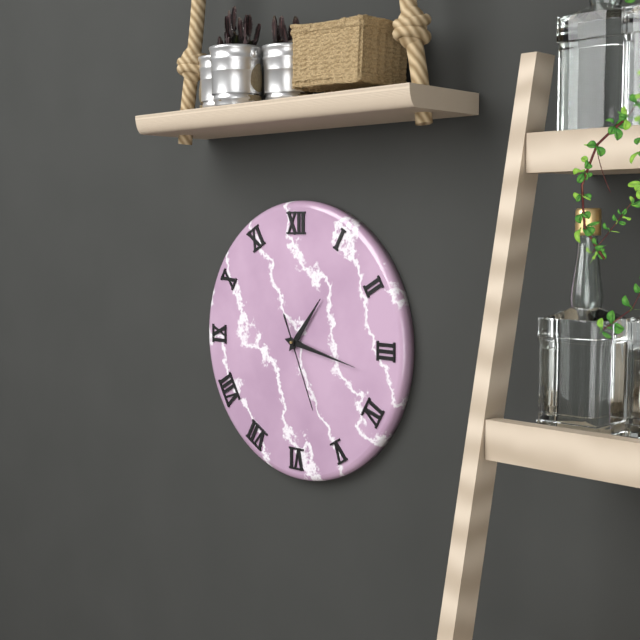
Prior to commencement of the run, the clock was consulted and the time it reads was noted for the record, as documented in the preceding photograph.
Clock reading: 1:17:26
